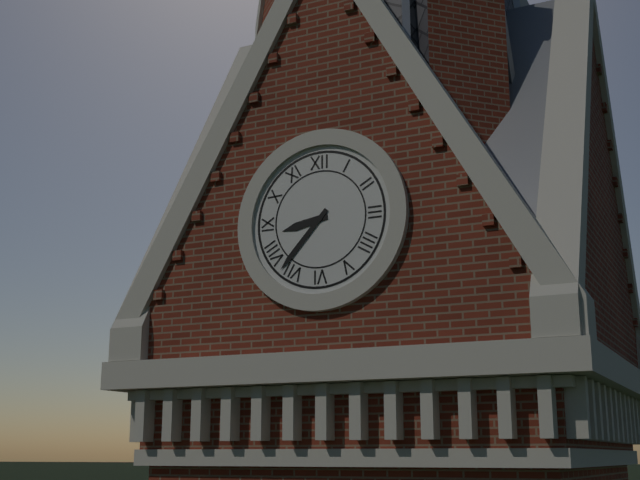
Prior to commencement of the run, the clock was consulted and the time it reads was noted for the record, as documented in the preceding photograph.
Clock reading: 8:37
